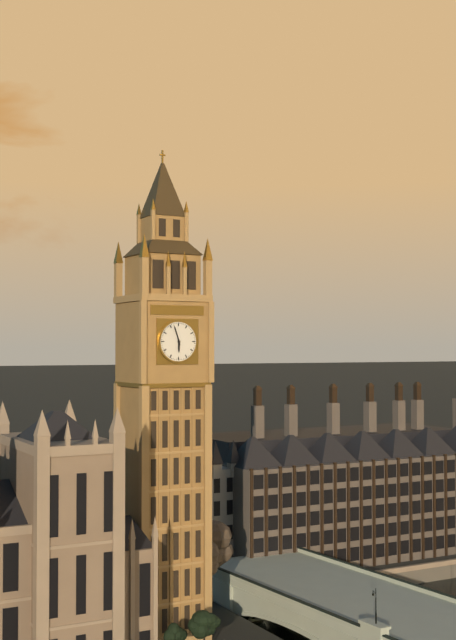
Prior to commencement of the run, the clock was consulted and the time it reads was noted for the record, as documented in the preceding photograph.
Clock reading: 5:57
